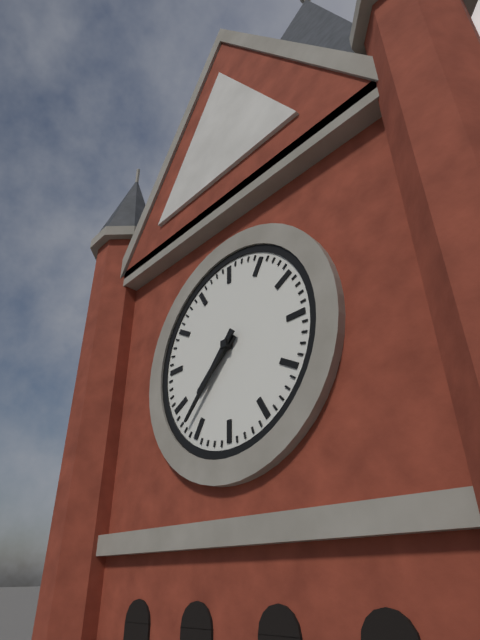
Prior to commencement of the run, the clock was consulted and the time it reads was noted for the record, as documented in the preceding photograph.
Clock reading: 7:37
